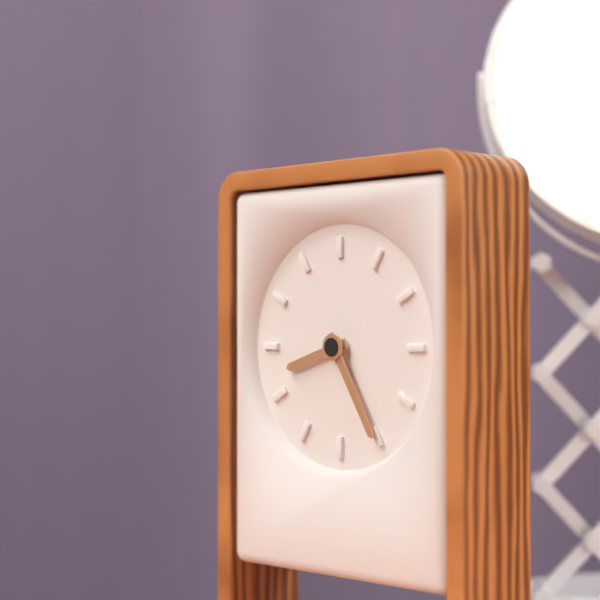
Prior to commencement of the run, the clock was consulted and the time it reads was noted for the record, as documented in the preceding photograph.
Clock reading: 8:25
